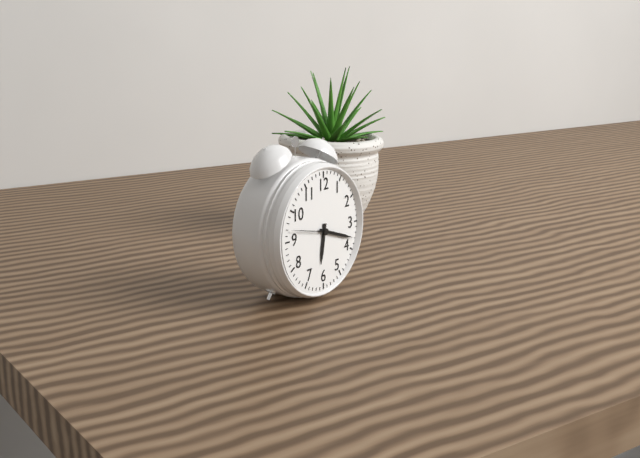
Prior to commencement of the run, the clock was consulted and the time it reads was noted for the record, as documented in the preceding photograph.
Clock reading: 6:18
